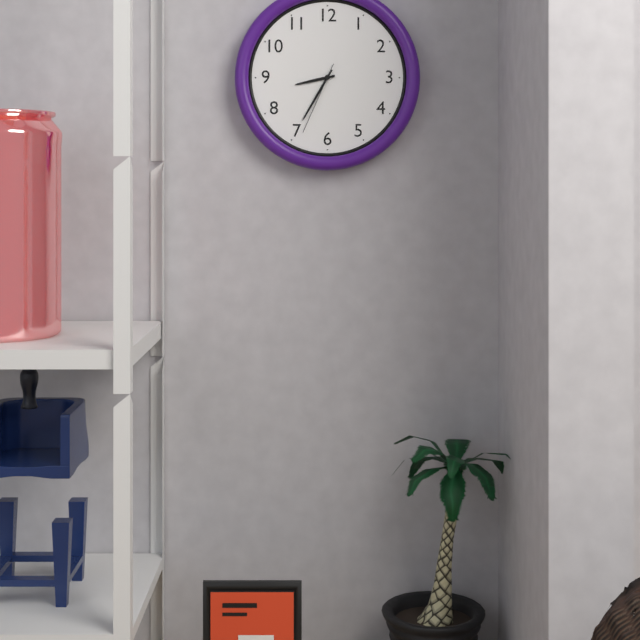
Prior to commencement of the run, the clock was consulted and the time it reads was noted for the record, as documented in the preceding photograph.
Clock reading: 8:35:34
